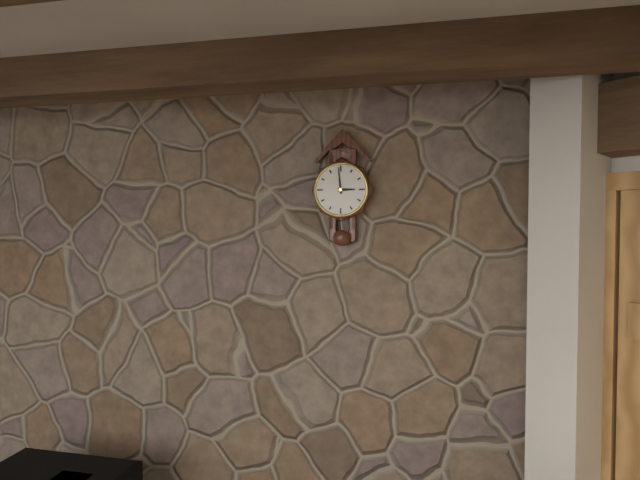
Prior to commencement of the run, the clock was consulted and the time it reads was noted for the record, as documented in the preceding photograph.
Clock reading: 2:59
